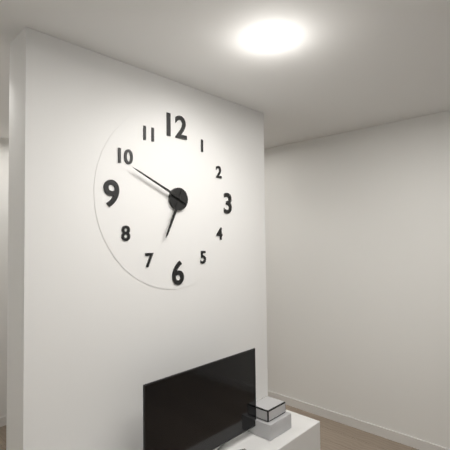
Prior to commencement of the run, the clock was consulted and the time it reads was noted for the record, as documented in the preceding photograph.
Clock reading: 6:49
